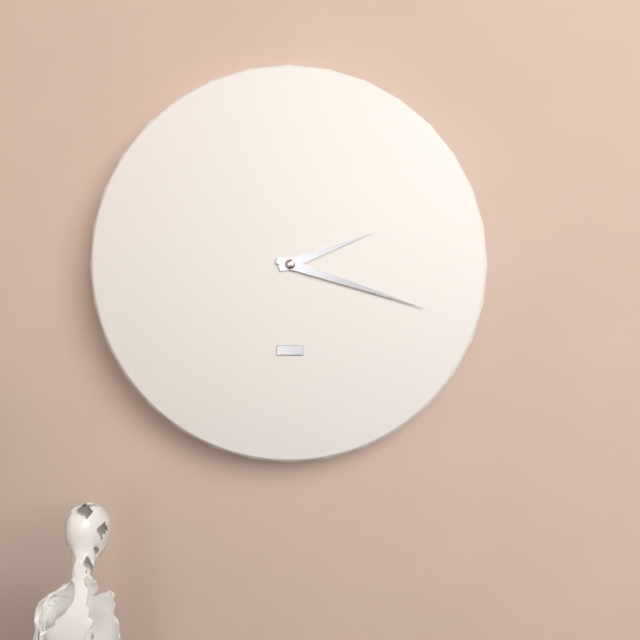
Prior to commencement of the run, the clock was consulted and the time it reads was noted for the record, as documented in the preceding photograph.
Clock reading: 2:18
